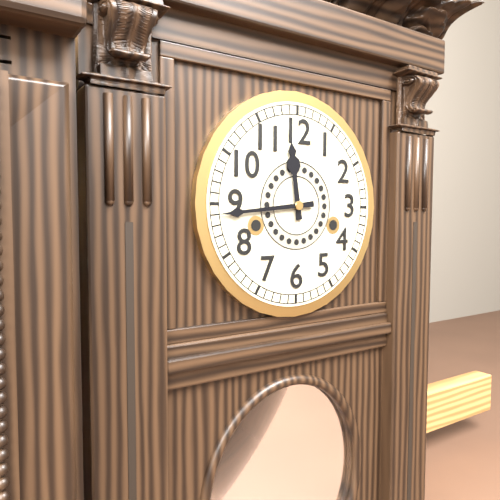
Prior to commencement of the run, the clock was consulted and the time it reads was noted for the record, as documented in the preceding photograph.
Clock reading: 11:44
